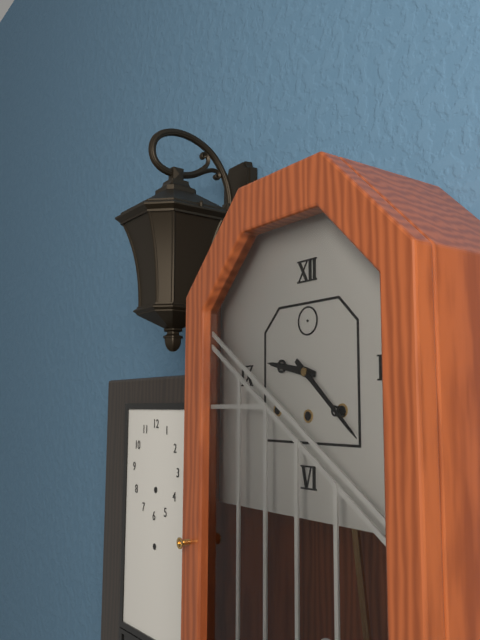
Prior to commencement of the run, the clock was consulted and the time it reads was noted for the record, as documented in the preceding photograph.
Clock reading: 9:22
